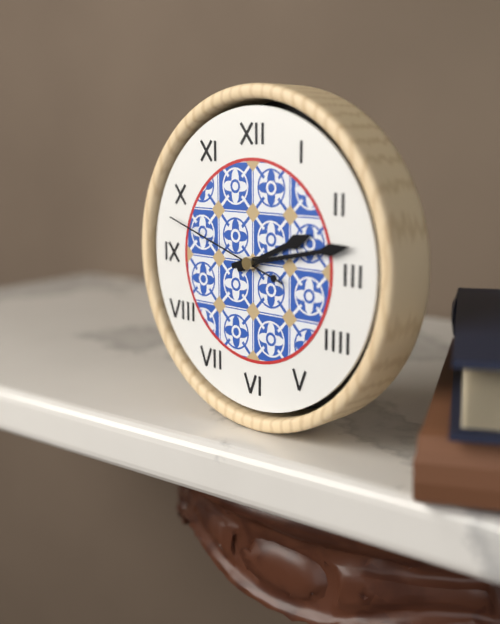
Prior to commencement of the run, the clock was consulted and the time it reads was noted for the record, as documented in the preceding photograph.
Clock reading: 2:13:48
